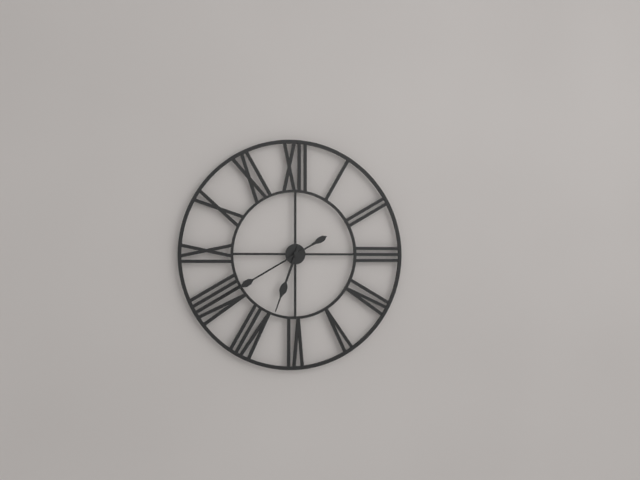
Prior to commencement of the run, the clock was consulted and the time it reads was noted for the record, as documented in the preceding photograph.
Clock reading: 6:40
